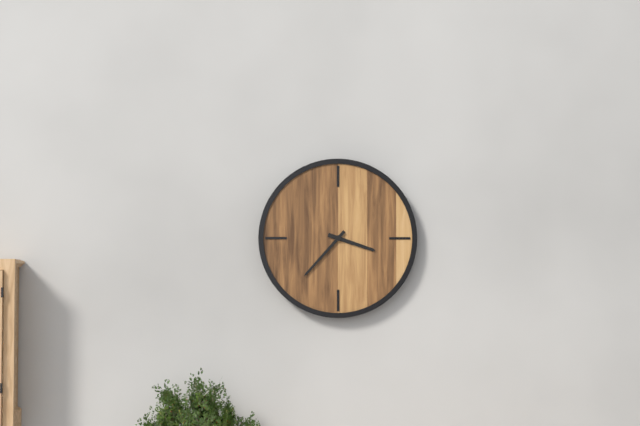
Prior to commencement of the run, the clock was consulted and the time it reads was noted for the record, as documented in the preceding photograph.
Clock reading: 3:37
